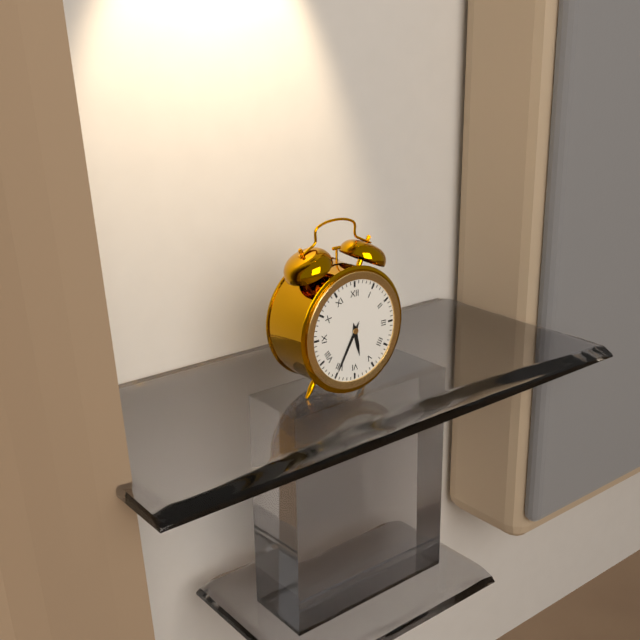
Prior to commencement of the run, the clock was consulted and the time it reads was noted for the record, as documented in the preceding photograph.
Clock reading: 5:35
